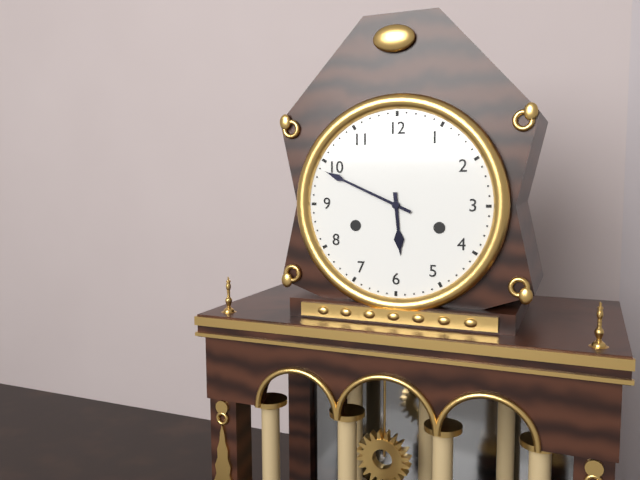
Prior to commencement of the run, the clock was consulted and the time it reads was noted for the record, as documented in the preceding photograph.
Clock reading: 5:49
